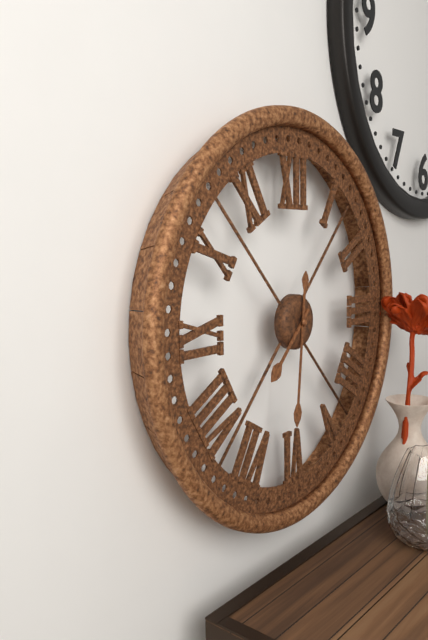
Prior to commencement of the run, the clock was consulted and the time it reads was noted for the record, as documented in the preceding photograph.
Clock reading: 7:31
